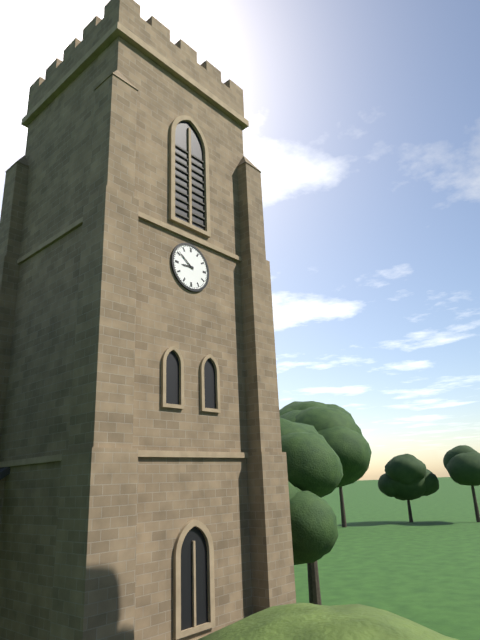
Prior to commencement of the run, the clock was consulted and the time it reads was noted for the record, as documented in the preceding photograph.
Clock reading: 8:51
